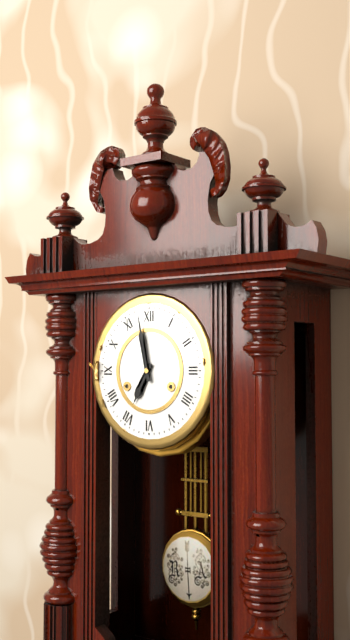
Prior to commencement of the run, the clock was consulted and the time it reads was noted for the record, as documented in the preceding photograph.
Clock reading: 6:58
